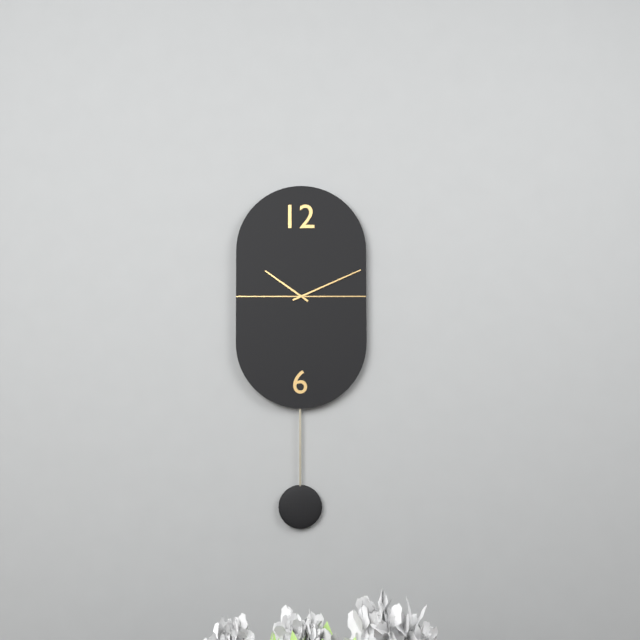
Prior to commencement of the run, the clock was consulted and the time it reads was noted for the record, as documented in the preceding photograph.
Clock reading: 10:11
